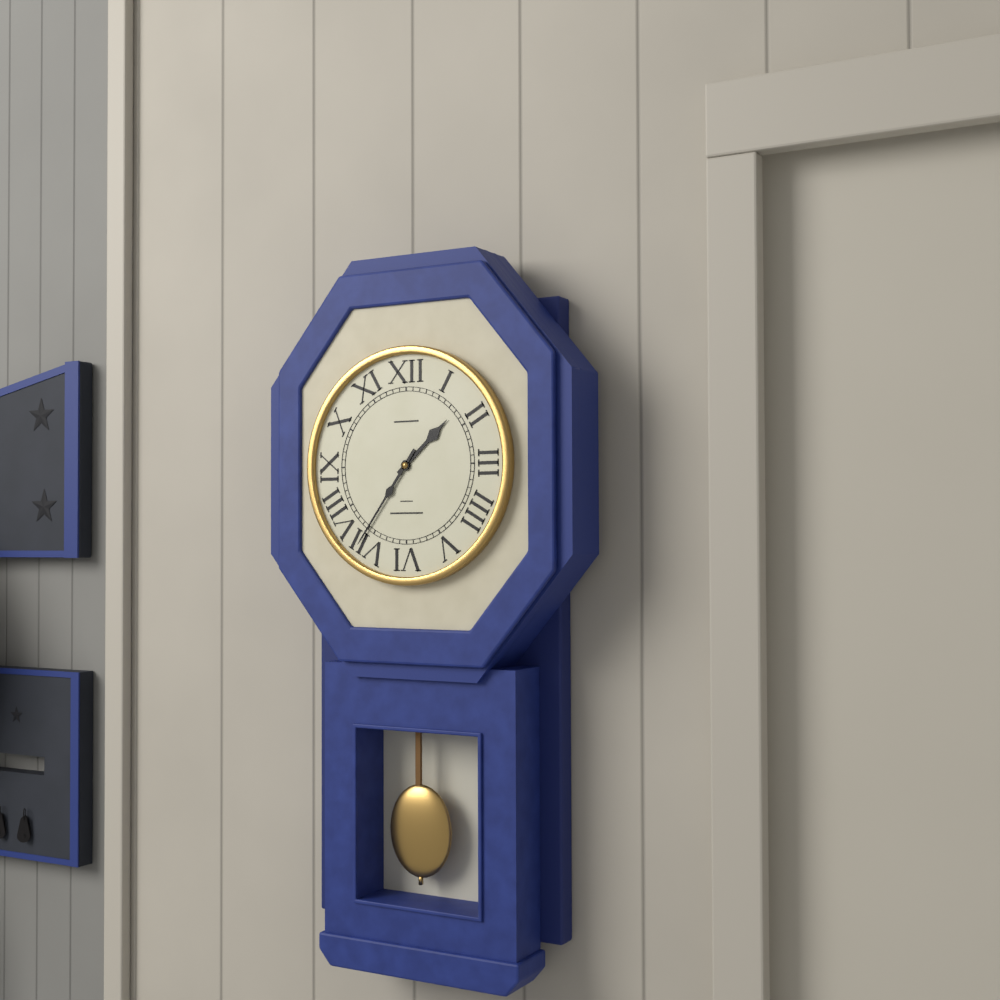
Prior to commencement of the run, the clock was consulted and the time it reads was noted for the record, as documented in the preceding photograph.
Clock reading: 1:36
